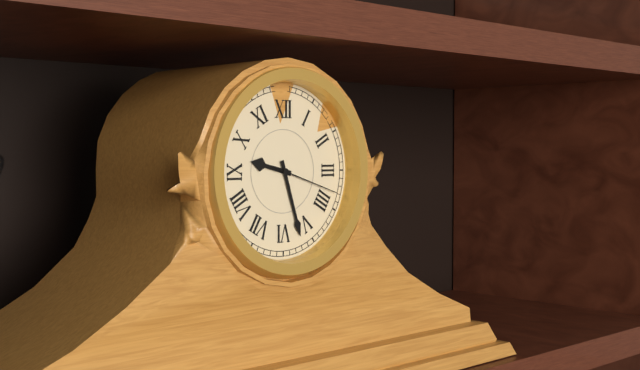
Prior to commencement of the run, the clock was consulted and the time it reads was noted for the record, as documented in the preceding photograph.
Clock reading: 9:27:18
